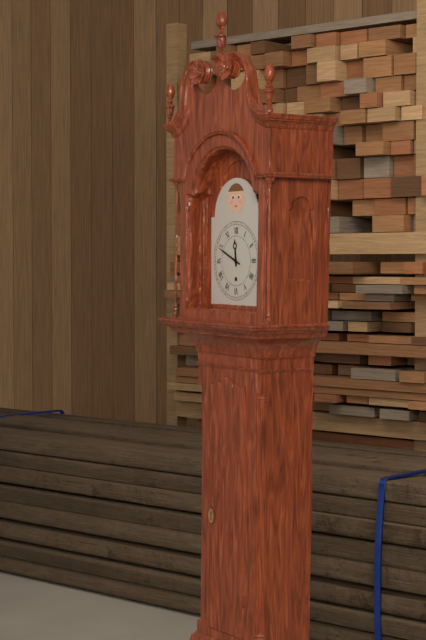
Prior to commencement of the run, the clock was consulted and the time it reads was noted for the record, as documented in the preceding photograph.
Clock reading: 11:49
